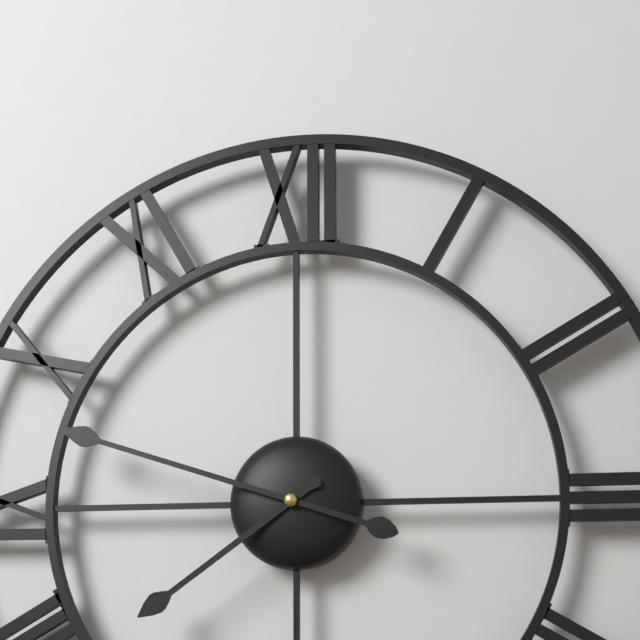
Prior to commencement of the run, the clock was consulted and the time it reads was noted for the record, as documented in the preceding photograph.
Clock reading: 7:48
